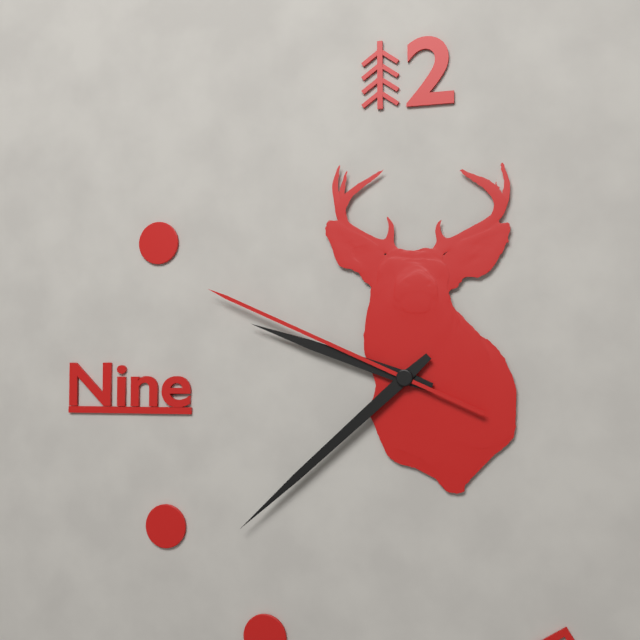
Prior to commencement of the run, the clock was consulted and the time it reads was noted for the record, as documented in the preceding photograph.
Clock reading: 9:38:49
